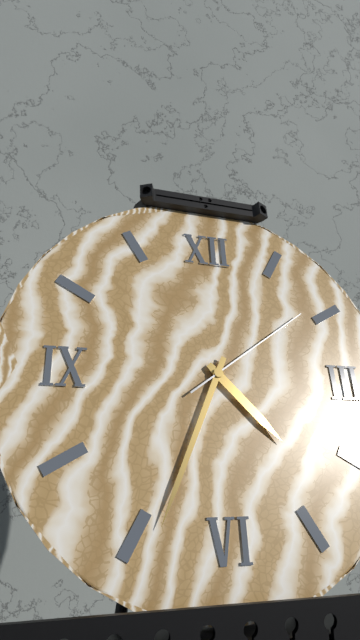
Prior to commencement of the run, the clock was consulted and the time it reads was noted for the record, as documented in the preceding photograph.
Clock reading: 4:34:09
